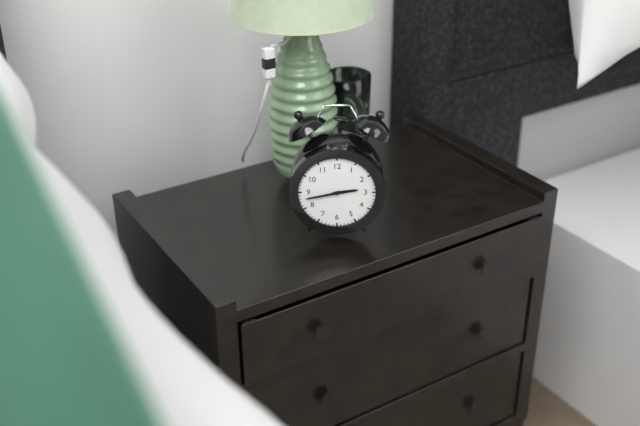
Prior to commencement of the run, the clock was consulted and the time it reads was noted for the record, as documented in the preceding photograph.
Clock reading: 2:43
